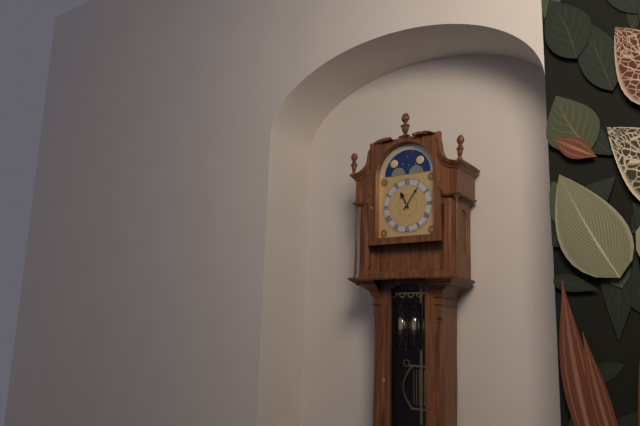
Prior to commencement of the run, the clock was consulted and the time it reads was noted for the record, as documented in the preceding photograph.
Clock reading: 11:06
